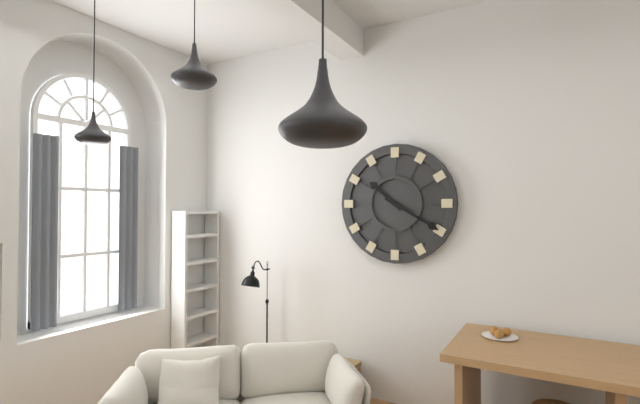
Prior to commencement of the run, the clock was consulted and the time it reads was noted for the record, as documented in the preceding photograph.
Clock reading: 10:20
